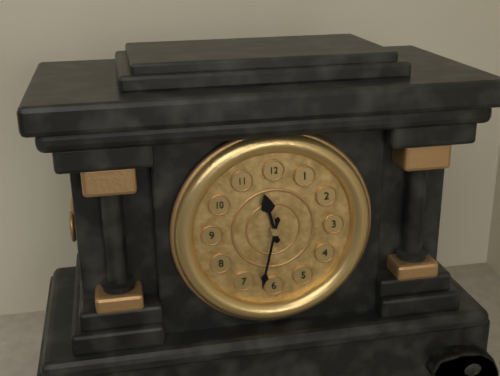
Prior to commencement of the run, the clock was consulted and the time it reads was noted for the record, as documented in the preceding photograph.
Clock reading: 11:32
